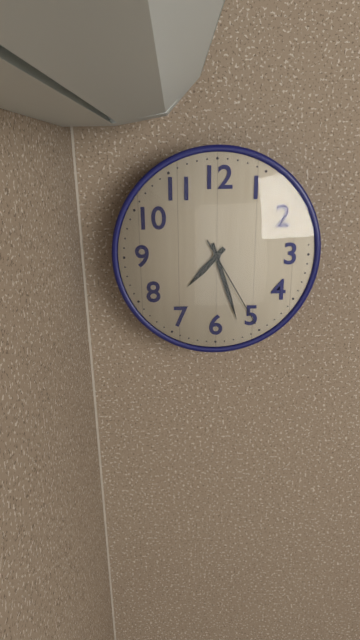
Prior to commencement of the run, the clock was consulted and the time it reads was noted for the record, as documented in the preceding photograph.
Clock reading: 7:27:25
